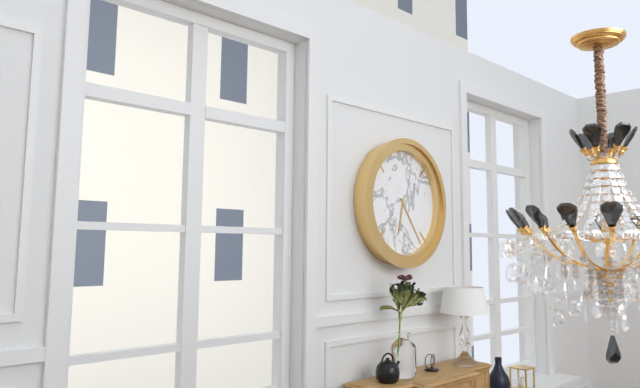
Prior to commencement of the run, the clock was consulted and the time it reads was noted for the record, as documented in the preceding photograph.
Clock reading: 6:24
